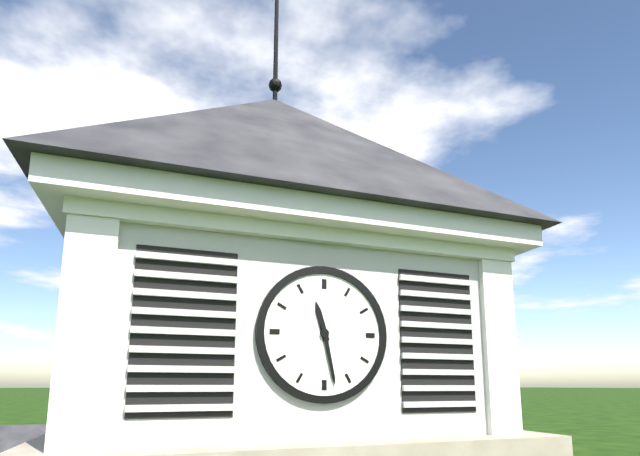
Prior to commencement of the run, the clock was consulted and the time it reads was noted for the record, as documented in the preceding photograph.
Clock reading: 11:28
